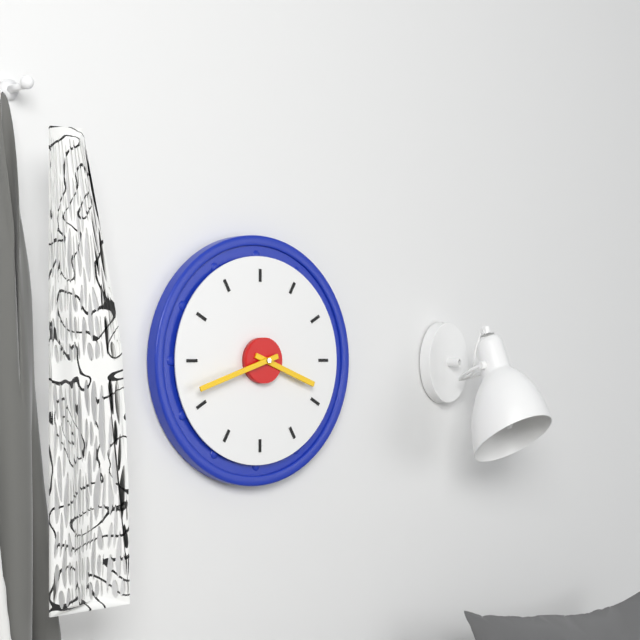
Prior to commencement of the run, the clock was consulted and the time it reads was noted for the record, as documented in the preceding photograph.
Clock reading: 3:42
